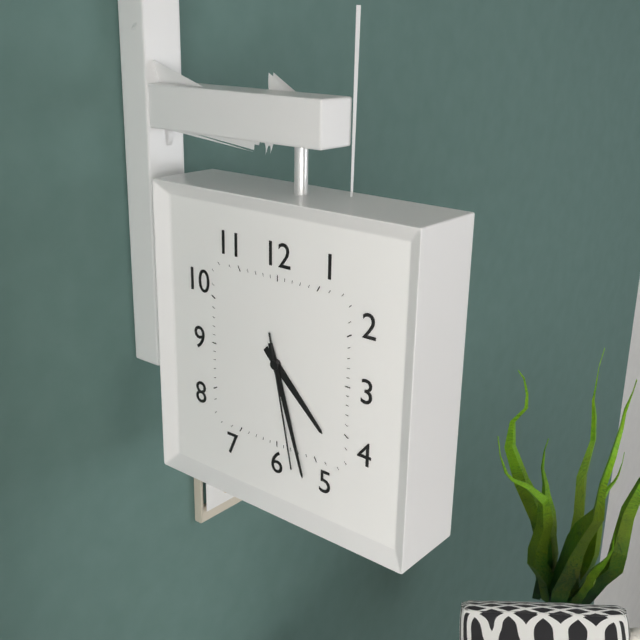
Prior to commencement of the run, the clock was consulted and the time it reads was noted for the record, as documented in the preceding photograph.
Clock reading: 4:27:28
